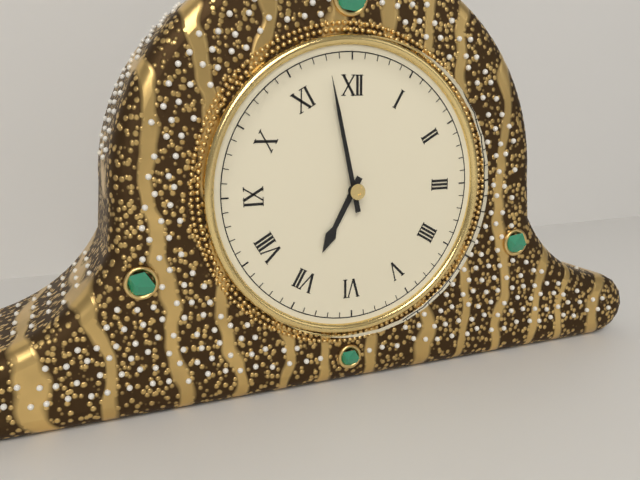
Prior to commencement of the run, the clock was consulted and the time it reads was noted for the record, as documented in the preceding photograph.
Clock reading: 6:58
